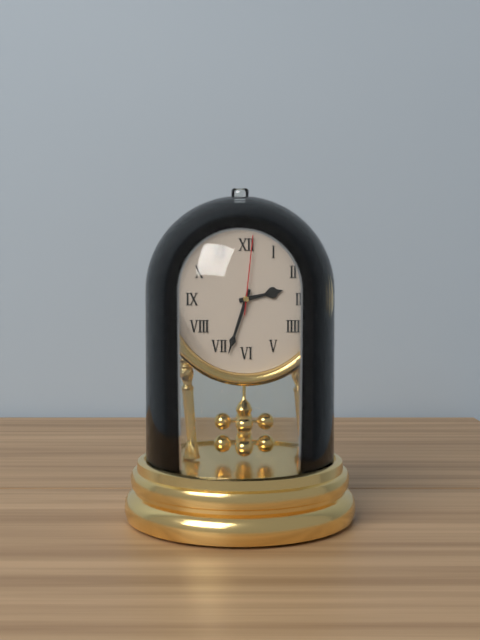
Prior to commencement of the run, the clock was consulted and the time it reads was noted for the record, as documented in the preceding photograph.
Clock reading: 2:33:01
